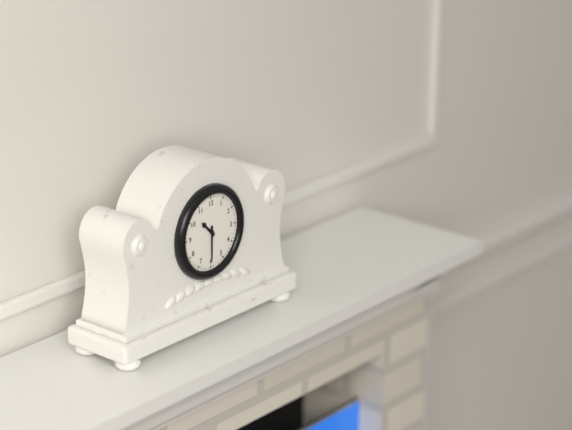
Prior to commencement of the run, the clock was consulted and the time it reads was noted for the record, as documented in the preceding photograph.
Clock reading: 10:30
